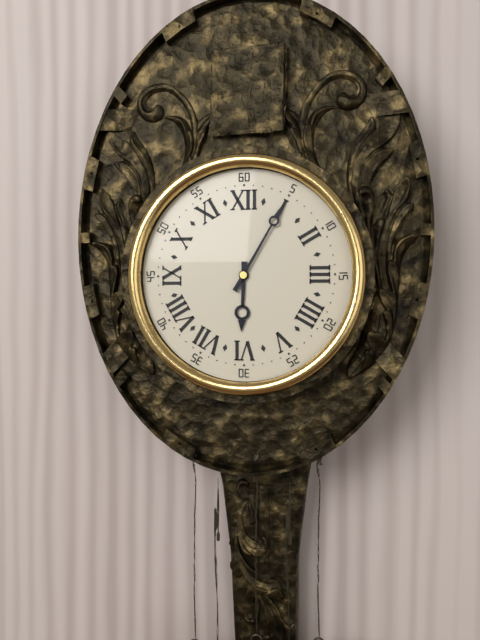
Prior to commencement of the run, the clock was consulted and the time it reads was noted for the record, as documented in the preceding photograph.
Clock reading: 6:05
